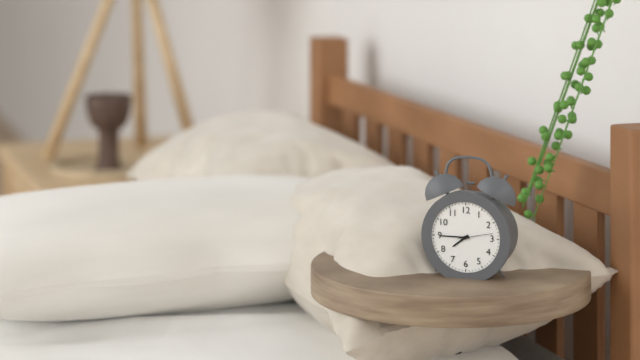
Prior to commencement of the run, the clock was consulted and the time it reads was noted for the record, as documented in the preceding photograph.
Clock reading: 7:45
